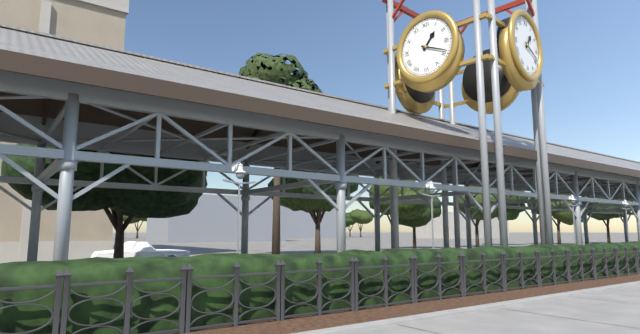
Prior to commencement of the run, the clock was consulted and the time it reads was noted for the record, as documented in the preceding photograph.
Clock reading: 1:19
